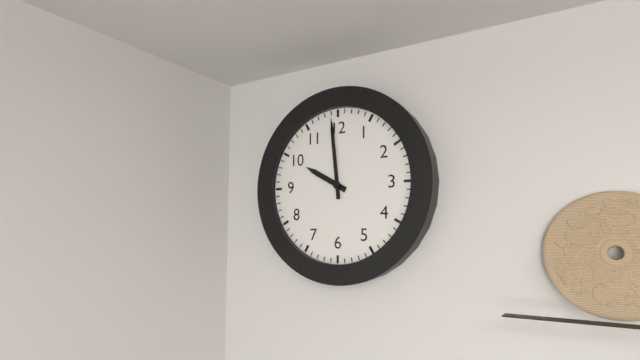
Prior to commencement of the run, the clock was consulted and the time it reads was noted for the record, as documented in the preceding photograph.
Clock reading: 9:59
